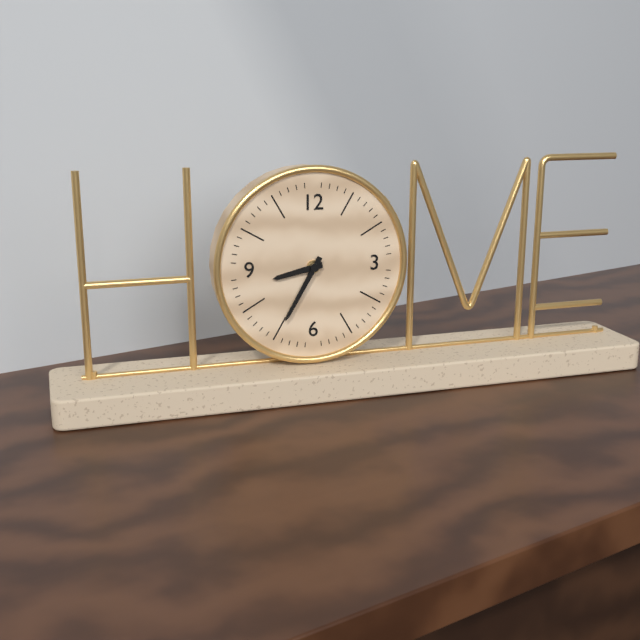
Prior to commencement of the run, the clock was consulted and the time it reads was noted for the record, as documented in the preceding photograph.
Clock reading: 8:35
